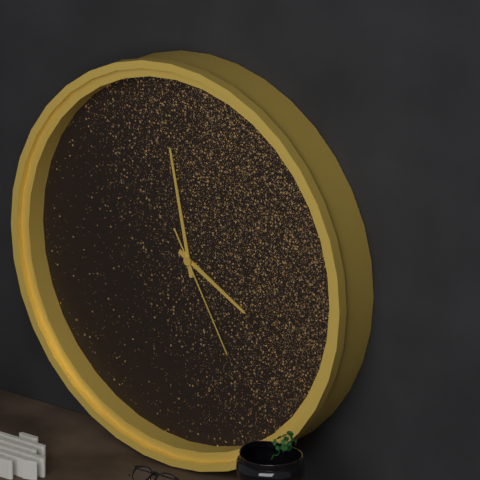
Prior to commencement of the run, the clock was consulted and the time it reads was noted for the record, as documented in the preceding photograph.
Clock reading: 3:58:25
